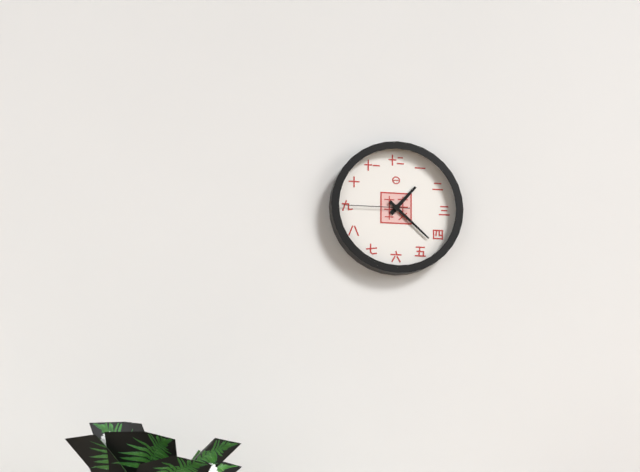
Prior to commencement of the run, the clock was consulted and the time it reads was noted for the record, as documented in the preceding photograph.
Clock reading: 1:22:45
